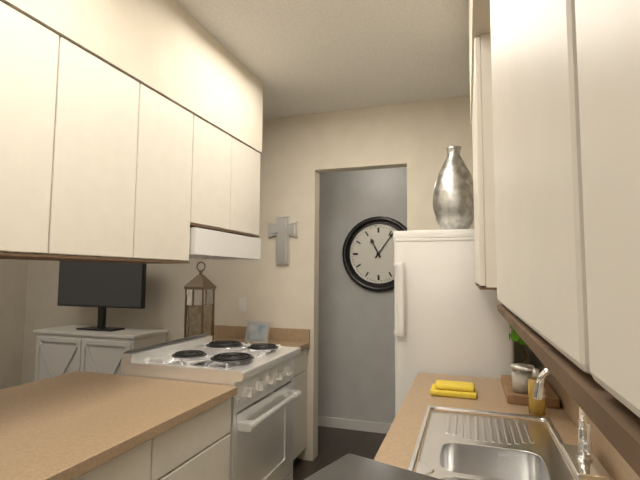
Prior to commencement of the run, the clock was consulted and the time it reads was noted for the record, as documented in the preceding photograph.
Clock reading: 11:06
